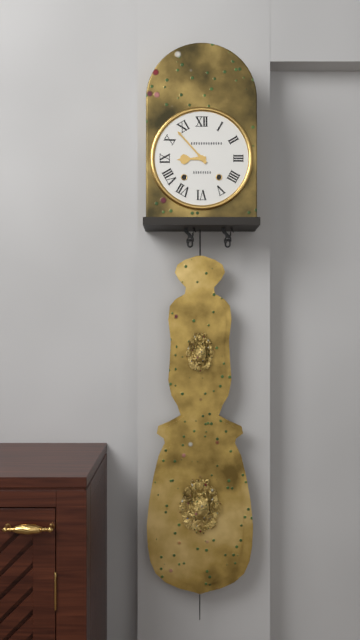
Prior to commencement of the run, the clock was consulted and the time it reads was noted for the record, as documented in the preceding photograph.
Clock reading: 8:53
